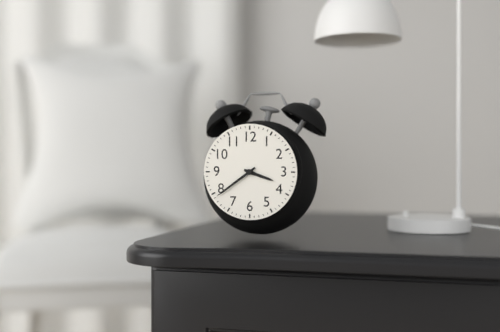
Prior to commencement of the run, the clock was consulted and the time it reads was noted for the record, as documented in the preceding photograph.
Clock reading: 3:39
